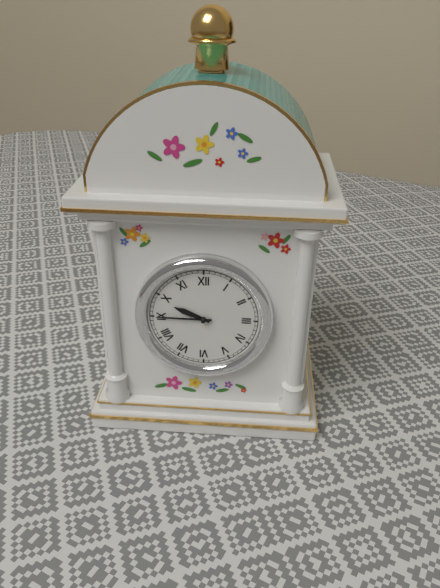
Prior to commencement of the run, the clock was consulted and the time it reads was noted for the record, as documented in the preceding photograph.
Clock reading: 9:45
